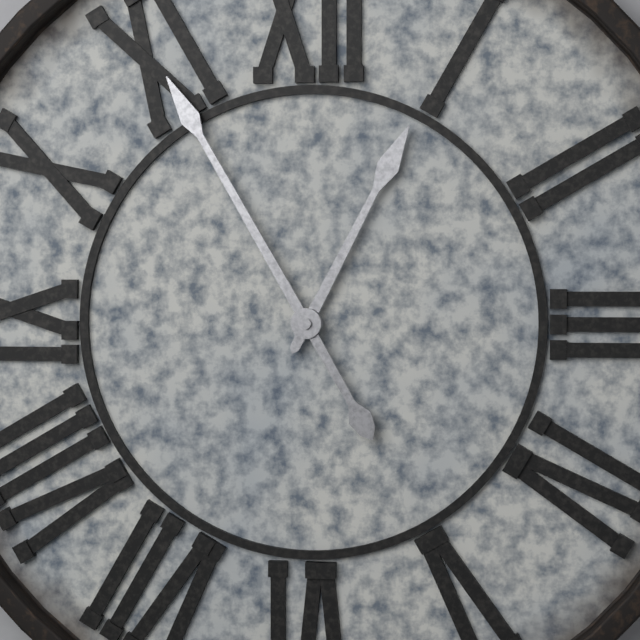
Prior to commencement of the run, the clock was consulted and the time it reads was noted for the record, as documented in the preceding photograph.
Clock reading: 12:55
